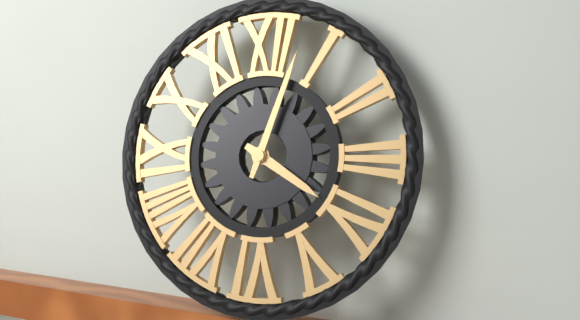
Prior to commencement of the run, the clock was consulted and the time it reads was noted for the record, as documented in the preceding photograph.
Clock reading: 4:03
